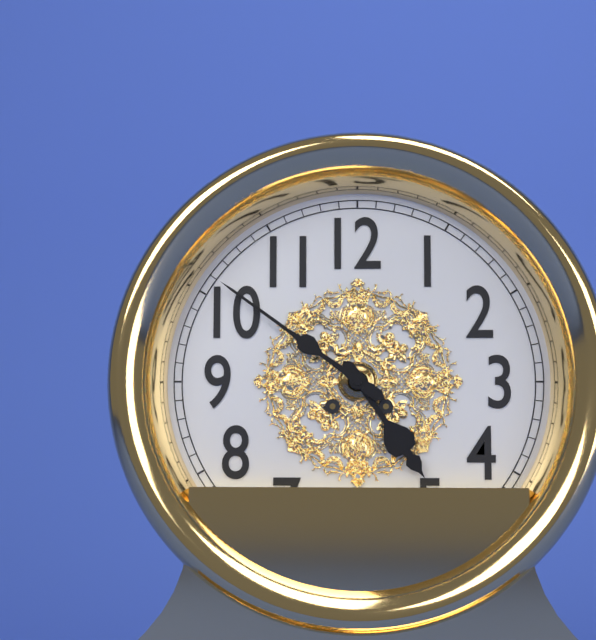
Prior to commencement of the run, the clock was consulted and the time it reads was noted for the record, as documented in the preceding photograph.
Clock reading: 4:51
